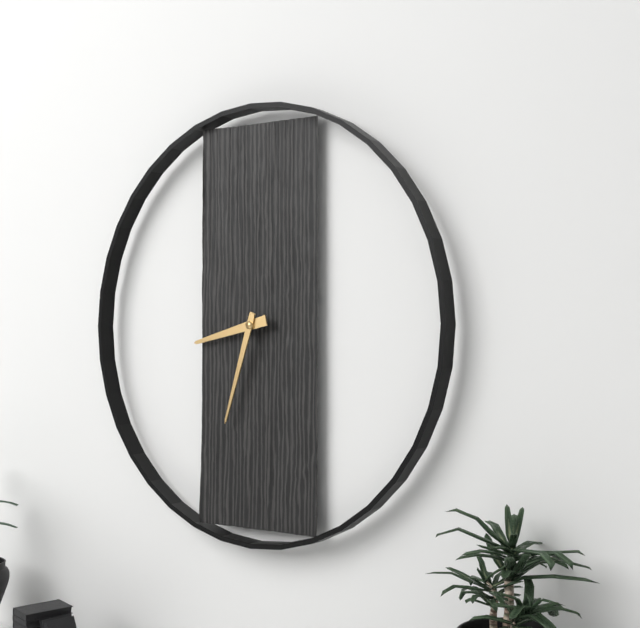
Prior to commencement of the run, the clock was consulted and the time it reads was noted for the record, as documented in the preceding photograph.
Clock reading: 8:33
